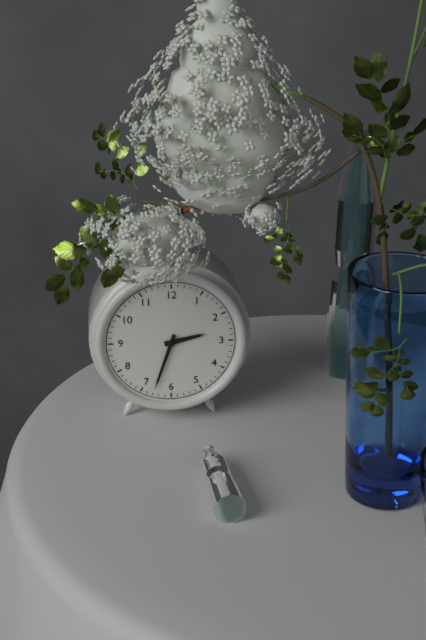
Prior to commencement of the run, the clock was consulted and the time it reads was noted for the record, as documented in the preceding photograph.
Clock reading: 2:33
